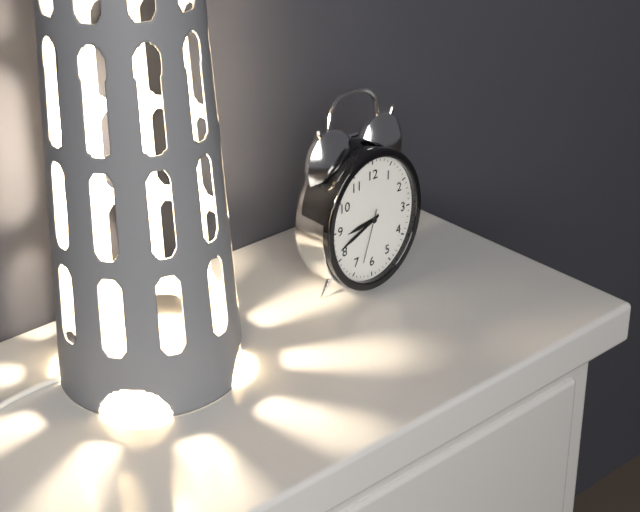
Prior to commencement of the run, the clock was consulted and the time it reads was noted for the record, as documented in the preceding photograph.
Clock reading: 8:41:33
